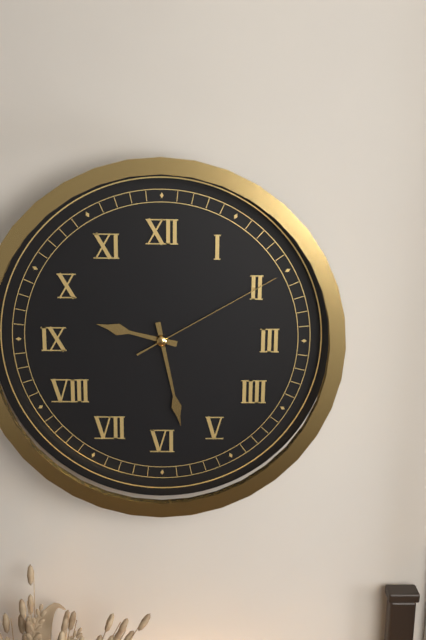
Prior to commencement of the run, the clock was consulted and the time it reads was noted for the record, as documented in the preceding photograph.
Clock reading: 9:28:10
